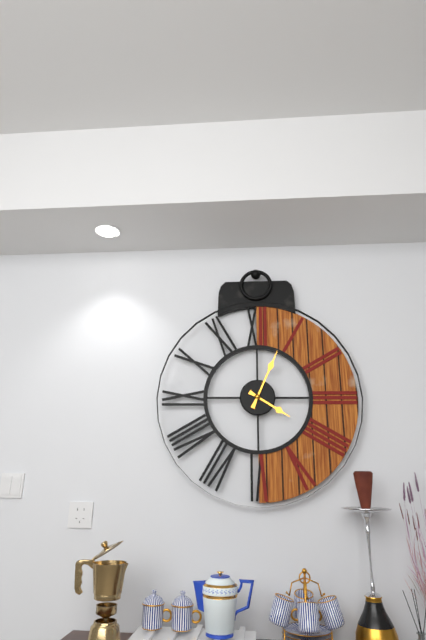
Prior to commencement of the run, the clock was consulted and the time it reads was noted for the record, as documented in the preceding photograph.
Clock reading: 4:04
